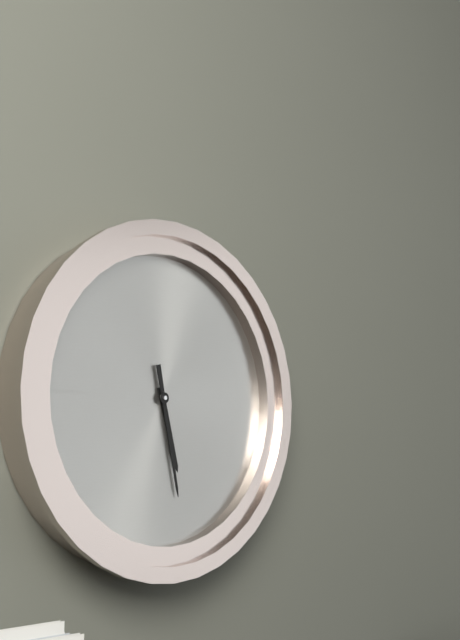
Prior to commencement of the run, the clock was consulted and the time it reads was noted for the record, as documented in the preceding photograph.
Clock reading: 5:28
